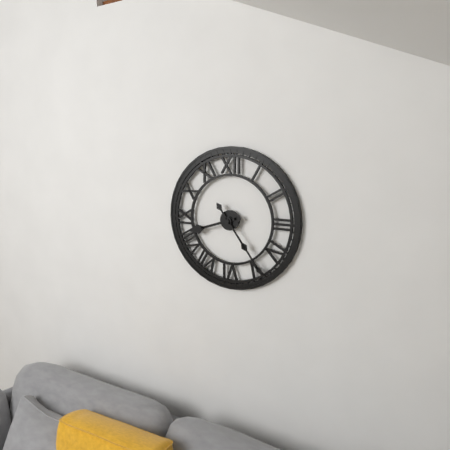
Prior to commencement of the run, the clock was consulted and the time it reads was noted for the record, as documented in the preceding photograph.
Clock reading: 8:24
